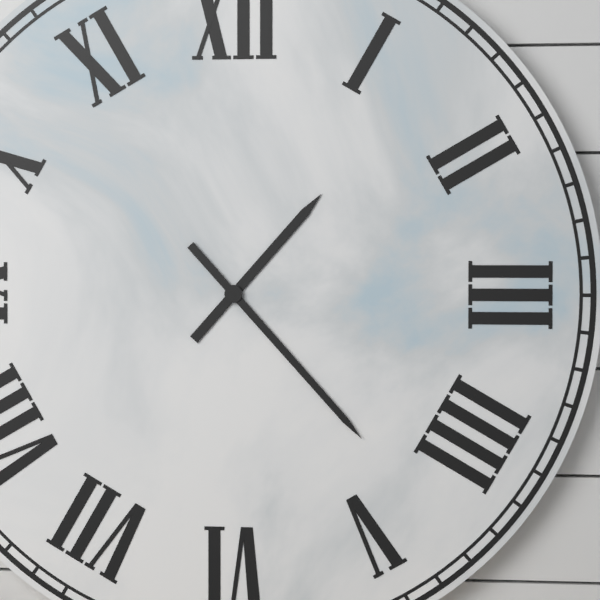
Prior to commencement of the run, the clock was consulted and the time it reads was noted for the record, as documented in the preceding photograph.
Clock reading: 1:23
